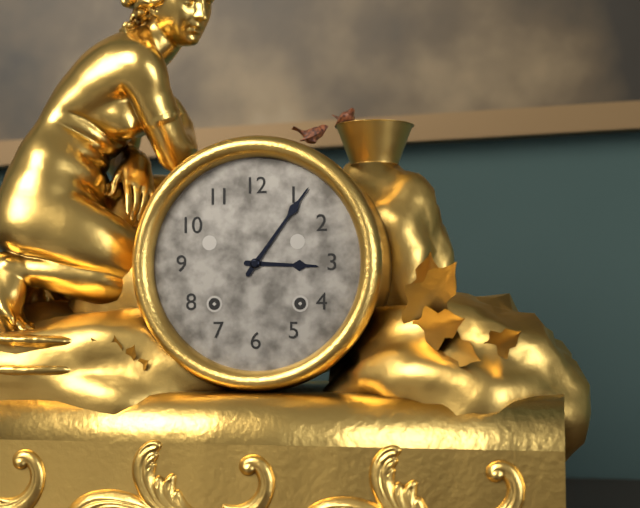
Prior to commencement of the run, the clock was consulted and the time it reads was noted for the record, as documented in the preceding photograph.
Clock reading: 3:06
